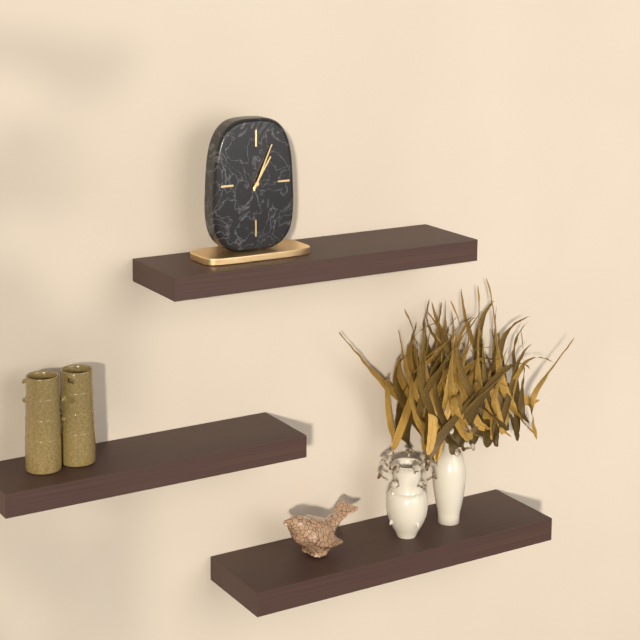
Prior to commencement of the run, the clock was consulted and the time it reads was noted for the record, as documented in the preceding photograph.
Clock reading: 1:04
